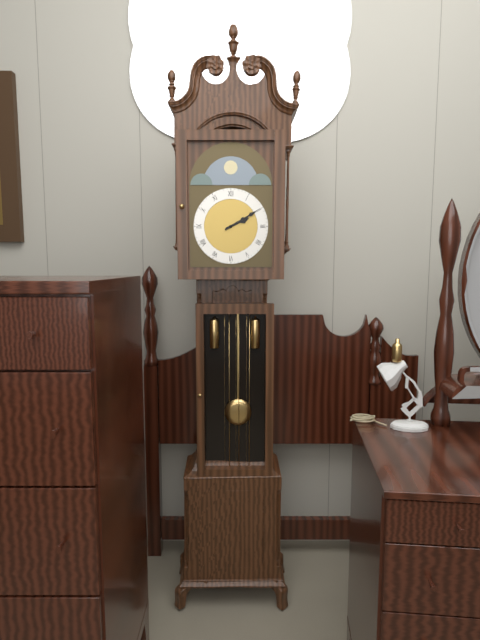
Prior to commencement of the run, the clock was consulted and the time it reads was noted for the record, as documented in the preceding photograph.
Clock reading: 2:10
